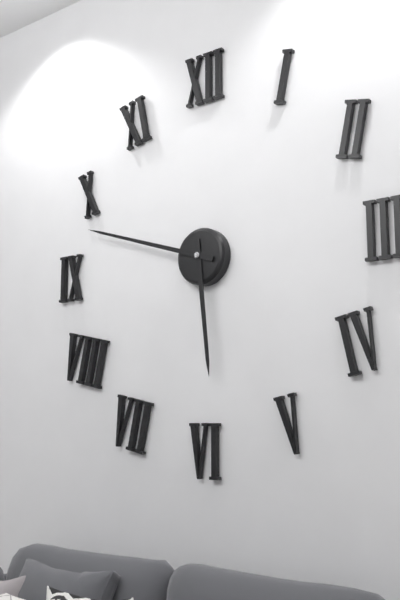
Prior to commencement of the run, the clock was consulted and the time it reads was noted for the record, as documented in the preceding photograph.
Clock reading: 5:48
